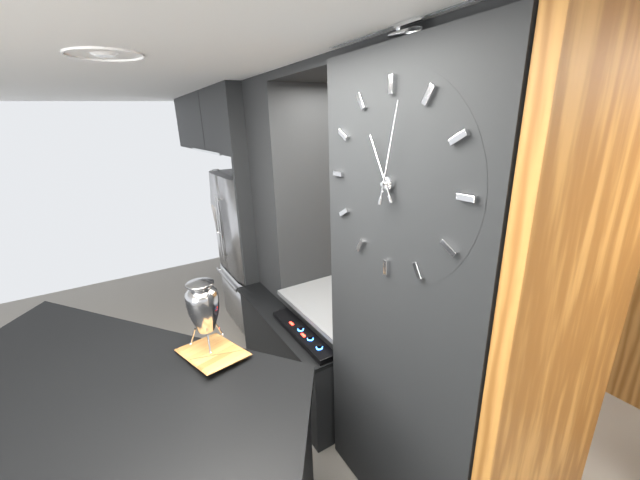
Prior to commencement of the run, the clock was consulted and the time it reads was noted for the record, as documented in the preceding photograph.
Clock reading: 11:02
